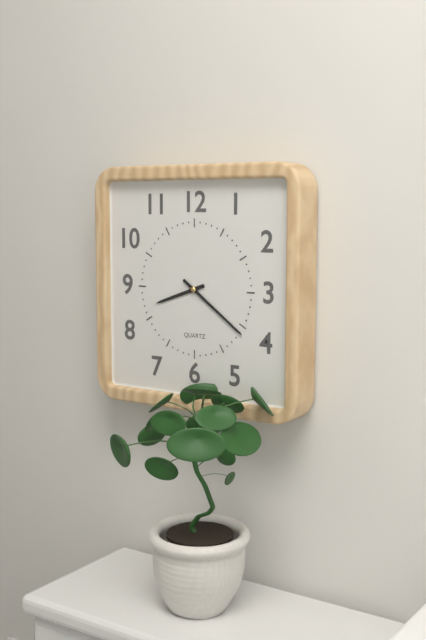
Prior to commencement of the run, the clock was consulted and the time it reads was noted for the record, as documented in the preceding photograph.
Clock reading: 8:21
